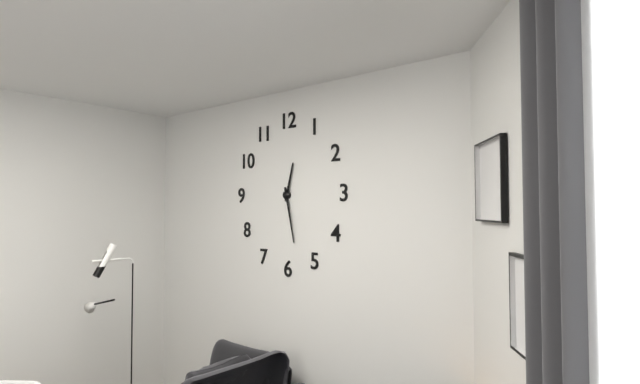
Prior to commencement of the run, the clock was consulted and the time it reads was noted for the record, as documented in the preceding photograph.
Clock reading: 12:28
